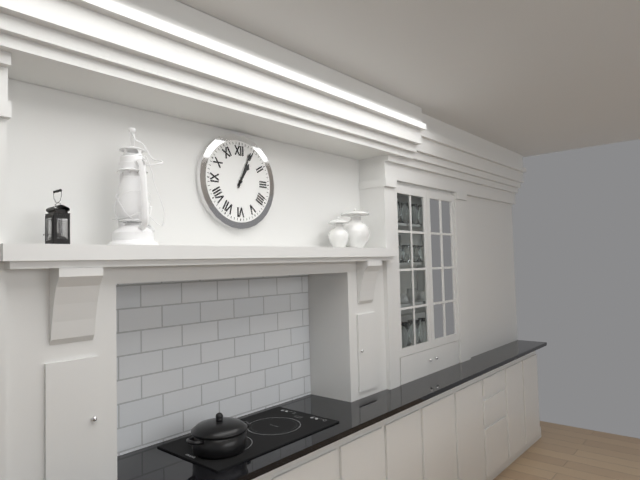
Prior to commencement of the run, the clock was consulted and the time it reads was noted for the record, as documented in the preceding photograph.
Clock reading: 1:04
